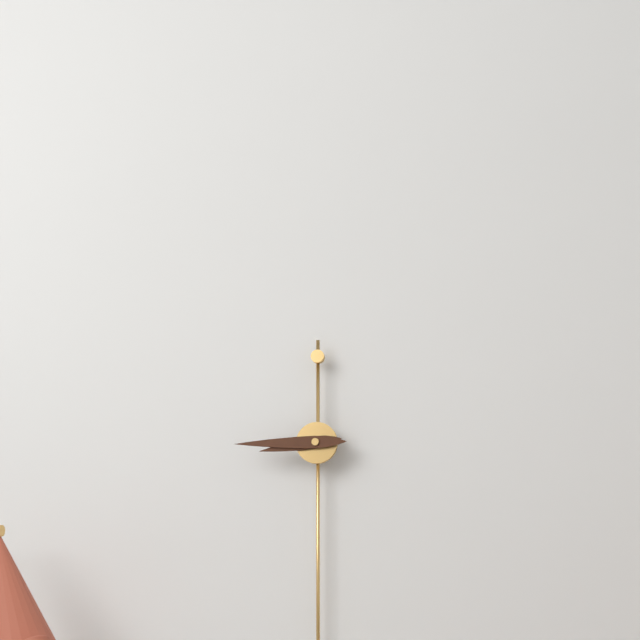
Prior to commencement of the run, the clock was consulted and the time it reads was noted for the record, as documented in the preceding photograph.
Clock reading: 8:45
